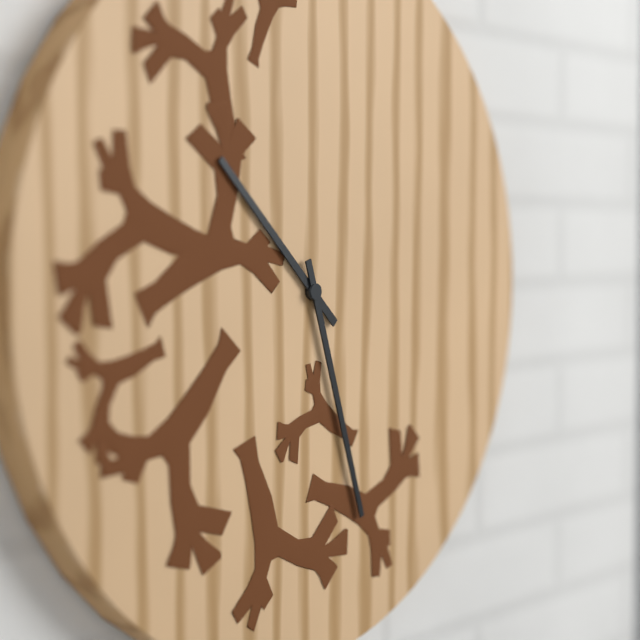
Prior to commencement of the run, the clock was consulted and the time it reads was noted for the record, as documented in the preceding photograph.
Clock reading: 10:27
